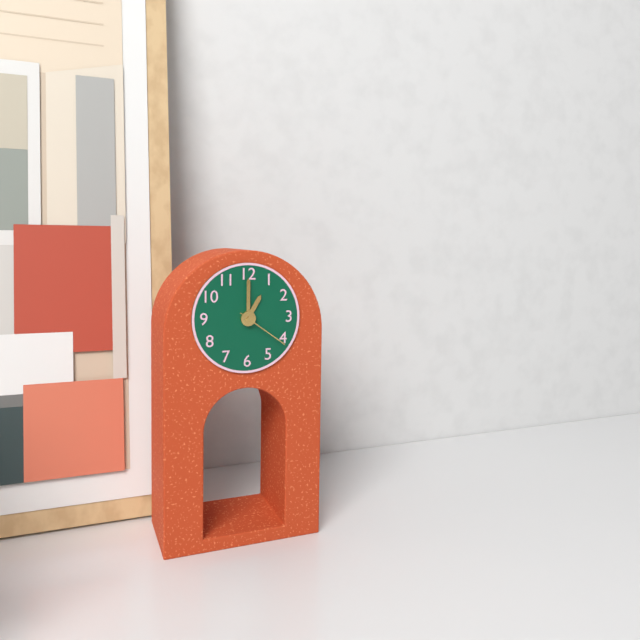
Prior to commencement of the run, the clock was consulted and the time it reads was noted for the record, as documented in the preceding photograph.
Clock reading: 1:00:21
